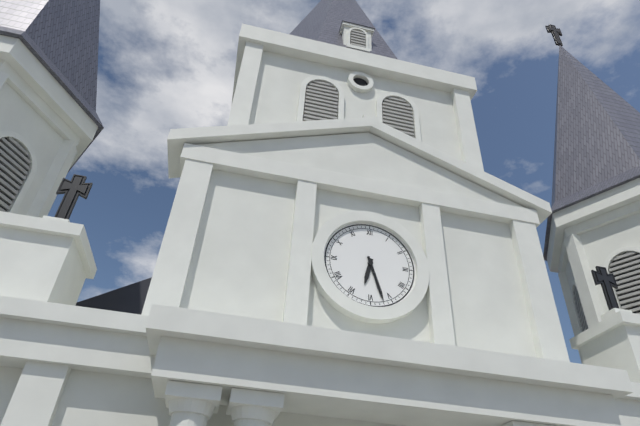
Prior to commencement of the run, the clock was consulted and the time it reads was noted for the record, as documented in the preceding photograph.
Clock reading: 6:27
